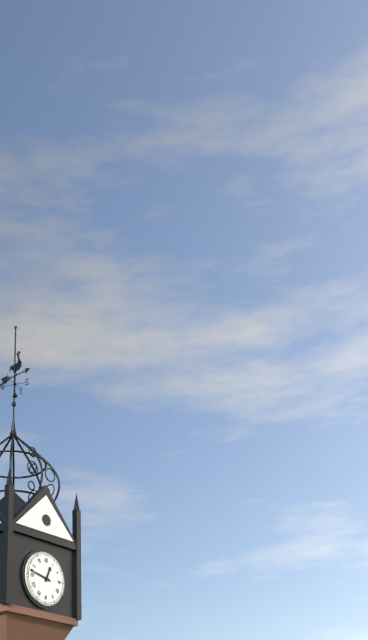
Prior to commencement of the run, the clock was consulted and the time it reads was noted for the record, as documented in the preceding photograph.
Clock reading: 12:47
